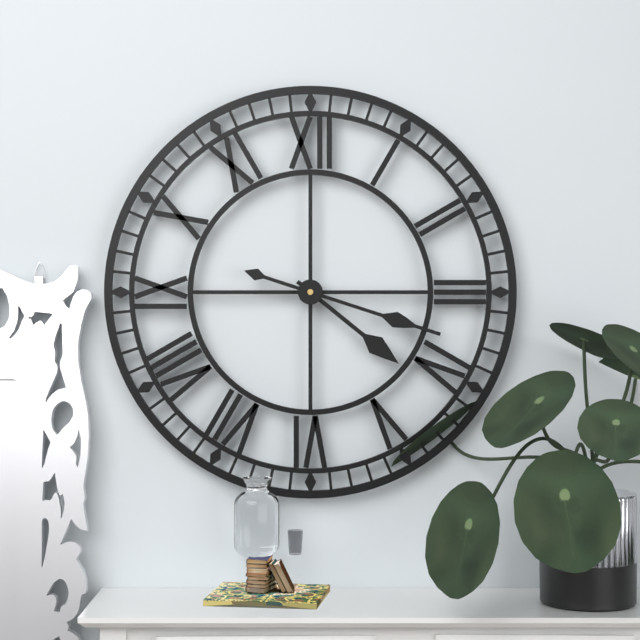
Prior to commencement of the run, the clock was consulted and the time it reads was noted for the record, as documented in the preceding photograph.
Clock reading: 4:18
